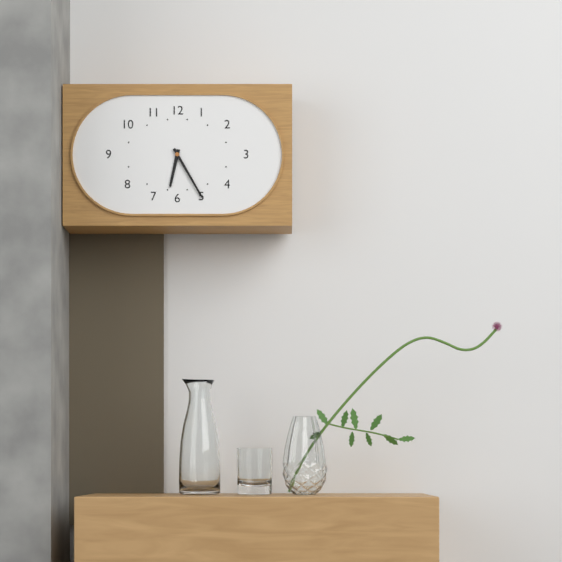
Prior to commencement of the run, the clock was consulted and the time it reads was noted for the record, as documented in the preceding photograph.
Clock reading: 6:25
